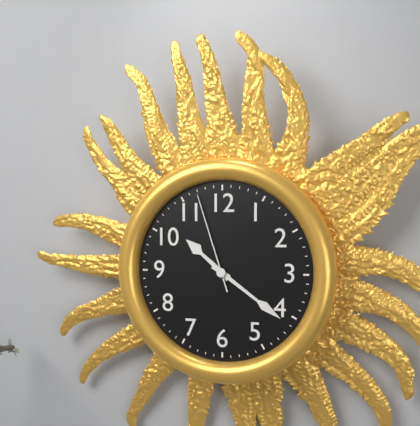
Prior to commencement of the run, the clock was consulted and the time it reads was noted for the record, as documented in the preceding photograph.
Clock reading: 10:21:57
